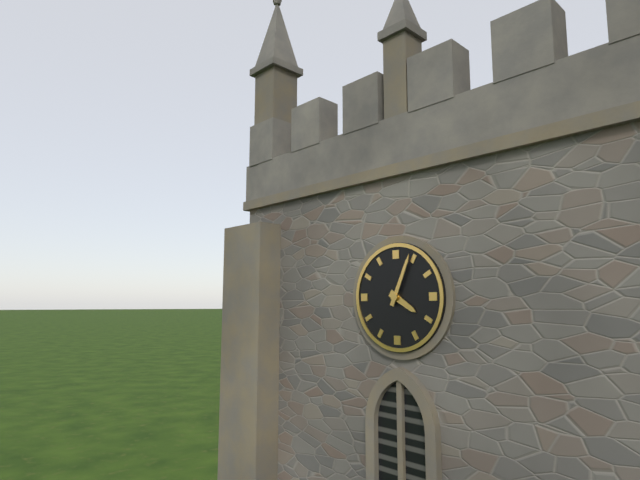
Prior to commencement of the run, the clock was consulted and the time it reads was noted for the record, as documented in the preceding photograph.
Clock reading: 4:04
